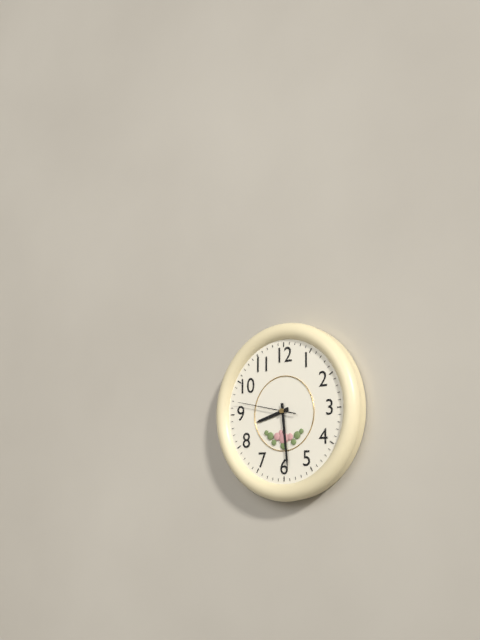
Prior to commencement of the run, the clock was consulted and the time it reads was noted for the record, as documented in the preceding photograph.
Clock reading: 8:29:47
